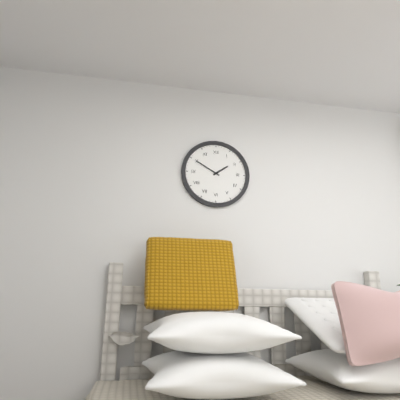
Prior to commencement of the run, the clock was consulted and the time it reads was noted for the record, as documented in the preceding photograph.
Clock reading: 1:50
